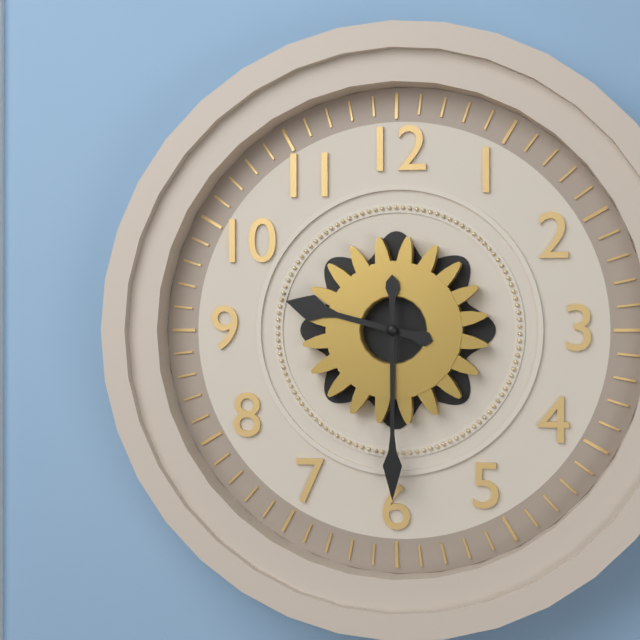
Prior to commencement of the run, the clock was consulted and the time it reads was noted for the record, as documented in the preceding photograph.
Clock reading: 9:30
